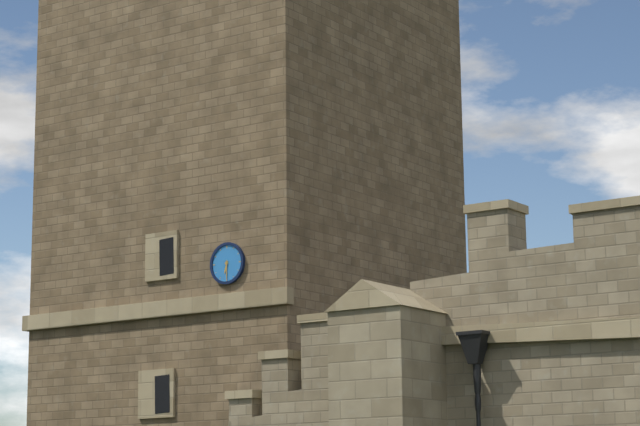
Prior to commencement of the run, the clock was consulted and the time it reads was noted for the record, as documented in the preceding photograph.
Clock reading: 6:30
